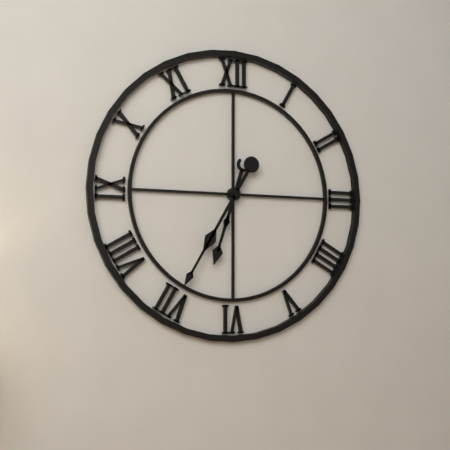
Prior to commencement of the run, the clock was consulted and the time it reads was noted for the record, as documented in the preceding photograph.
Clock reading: 6:35
